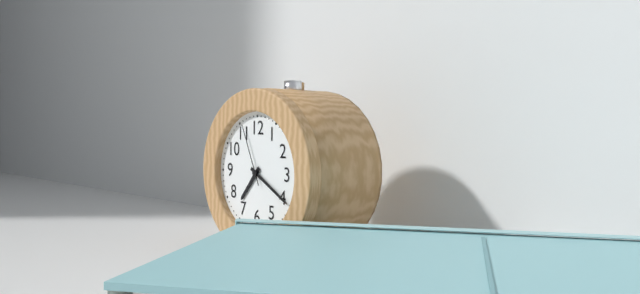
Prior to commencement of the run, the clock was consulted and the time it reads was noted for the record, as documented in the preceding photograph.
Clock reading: 7:20:56
